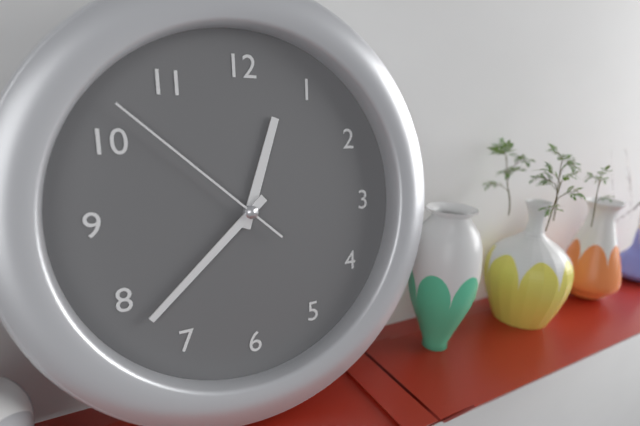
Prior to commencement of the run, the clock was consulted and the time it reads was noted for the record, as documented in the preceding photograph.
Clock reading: 12:38:52
